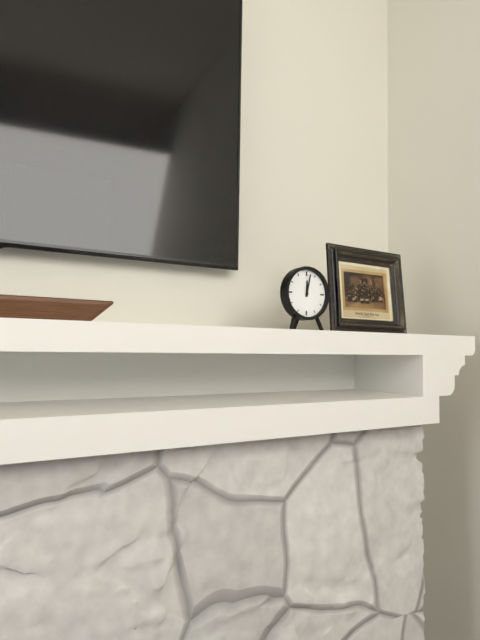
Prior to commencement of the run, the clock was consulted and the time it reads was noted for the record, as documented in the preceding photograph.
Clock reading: 12:02
